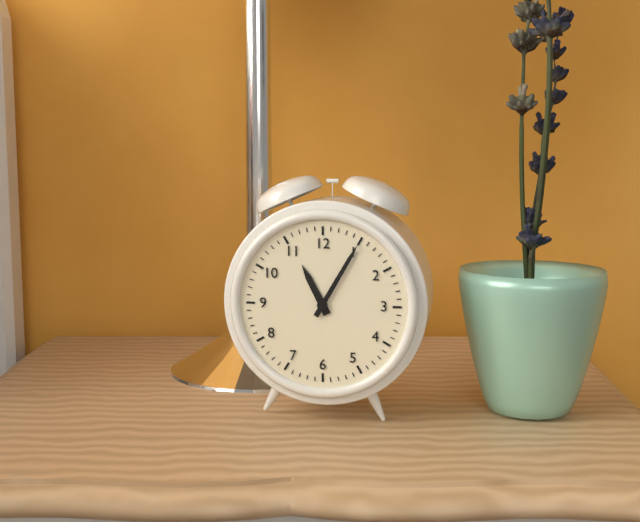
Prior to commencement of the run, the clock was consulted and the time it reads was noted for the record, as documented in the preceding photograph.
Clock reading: 11:05
